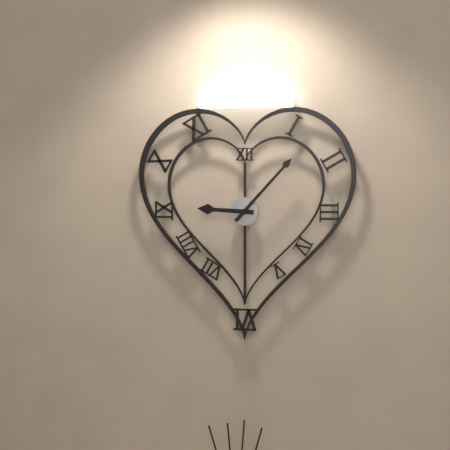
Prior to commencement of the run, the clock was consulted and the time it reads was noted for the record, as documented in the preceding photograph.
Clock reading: 9:07
